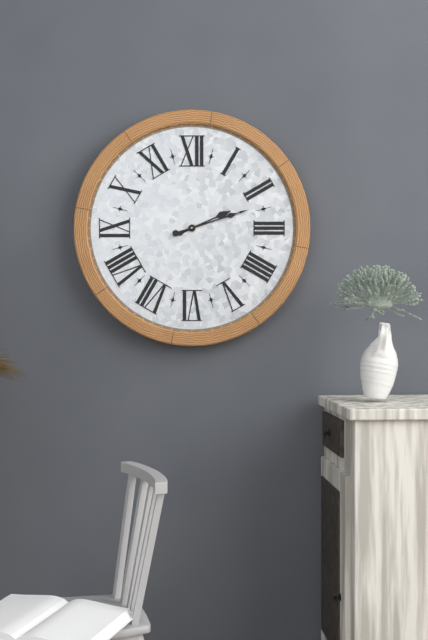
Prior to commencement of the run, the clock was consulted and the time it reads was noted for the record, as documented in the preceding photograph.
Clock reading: 2:12
